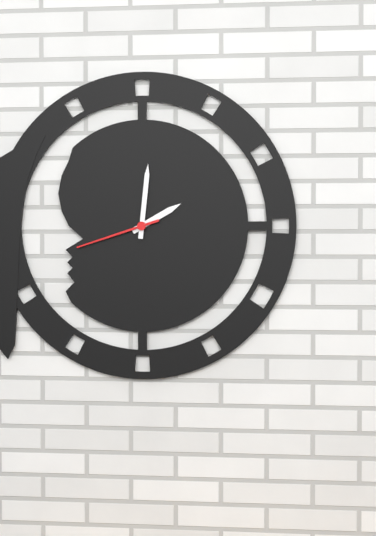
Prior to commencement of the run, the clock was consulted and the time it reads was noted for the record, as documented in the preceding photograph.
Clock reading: 2:01:42
